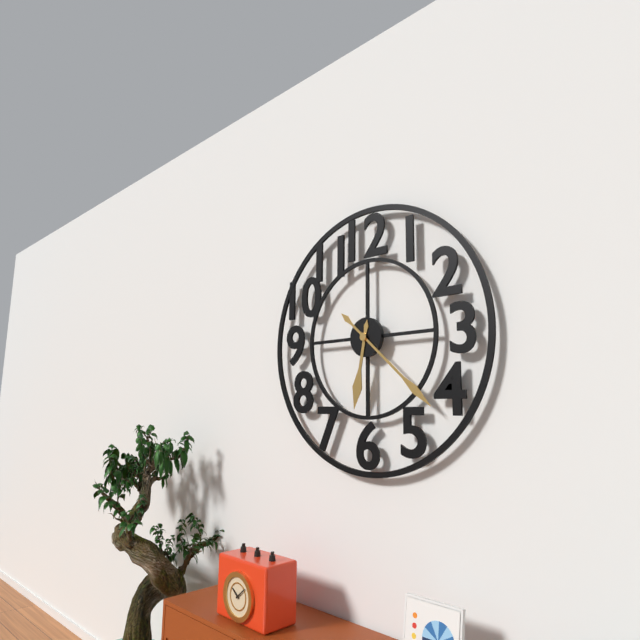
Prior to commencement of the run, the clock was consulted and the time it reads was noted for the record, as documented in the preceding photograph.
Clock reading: 6:22
